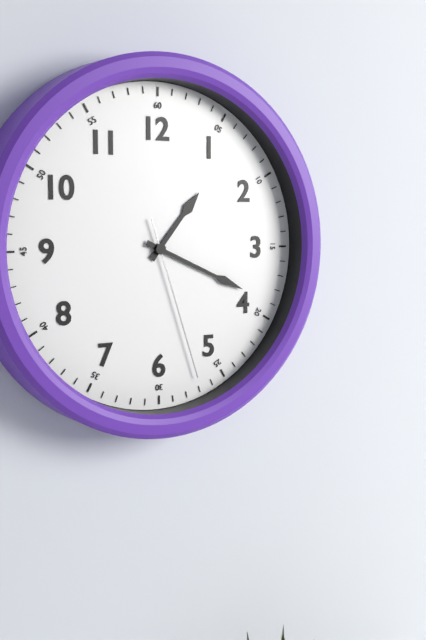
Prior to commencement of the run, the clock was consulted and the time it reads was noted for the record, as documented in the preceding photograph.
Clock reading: 1:19:27
